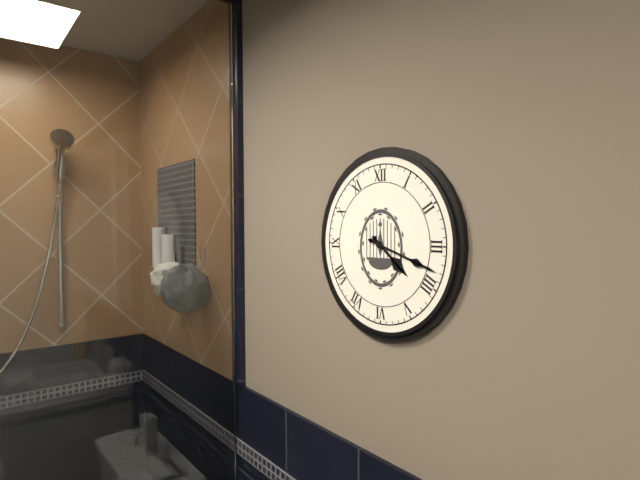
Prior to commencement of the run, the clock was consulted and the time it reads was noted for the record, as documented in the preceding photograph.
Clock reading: 4:18
